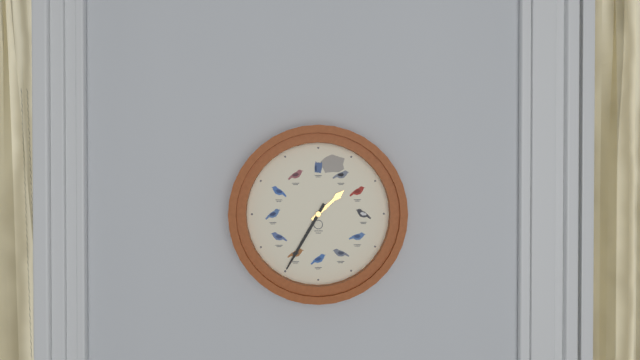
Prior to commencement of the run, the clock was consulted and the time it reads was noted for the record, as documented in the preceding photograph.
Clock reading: 1:35
